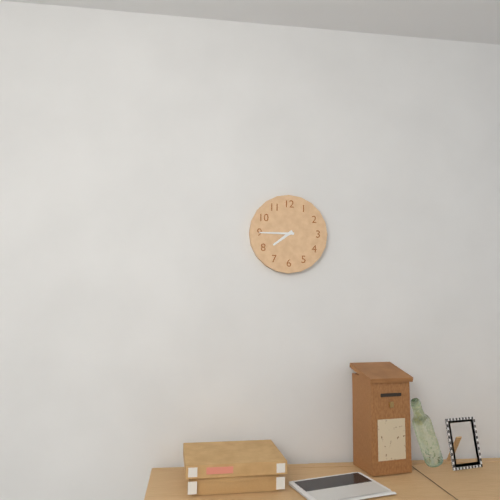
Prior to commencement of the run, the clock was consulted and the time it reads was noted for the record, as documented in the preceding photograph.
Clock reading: 7:45
